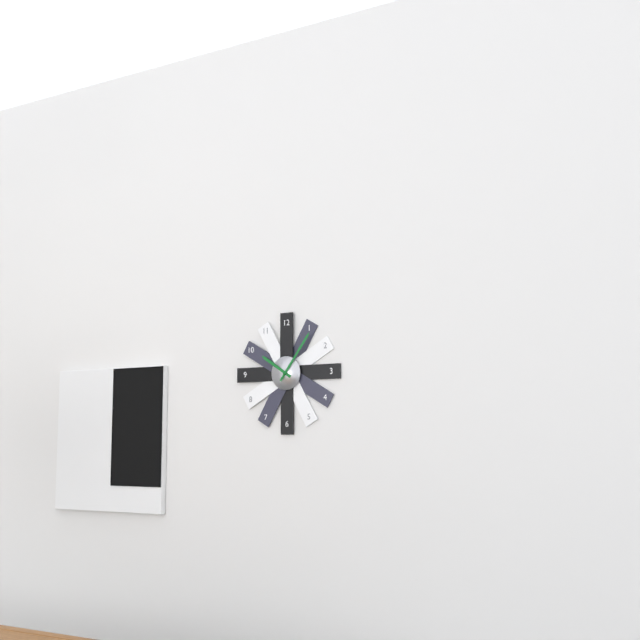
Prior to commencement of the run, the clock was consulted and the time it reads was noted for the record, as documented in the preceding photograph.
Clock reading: 10:06
